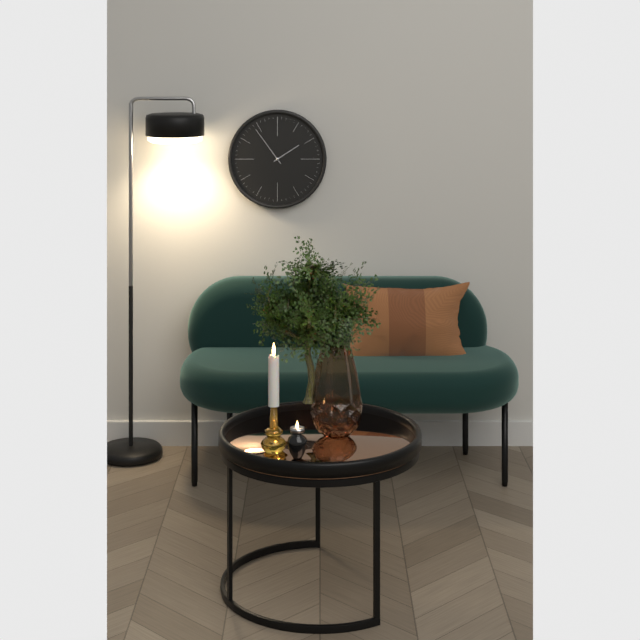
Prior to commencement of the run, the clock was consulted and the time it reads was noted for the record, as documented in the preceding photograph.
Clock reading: 1:54
